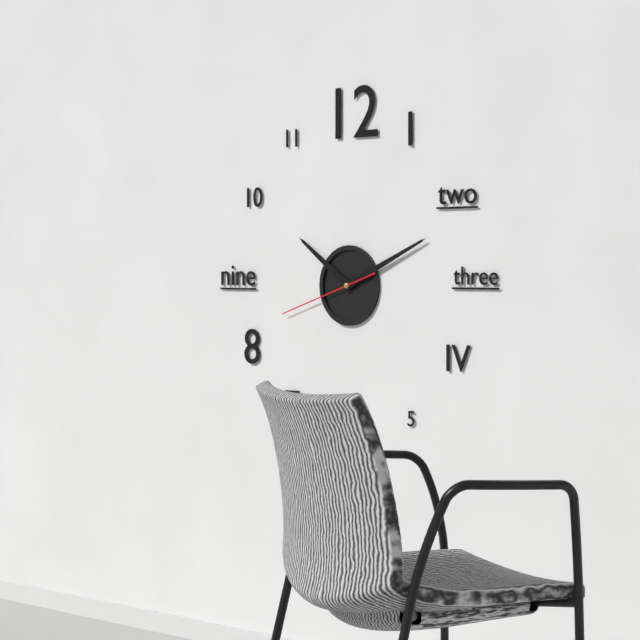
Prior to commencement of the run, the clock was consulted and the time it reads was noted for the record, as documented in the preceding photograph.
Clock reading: 10:11:42
